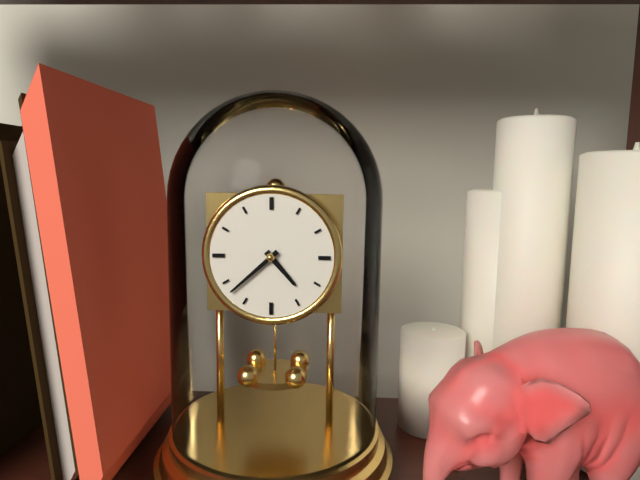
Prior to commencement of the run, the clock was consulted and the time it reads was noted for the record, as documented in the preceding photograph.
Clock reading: 4:38
